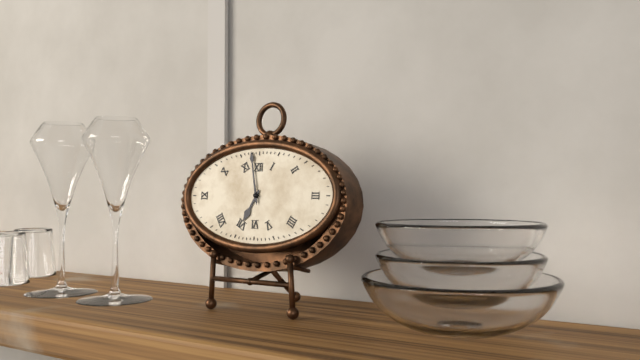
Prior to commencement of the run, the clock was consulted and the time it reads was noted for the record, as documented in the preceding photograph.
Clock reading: 6:58
